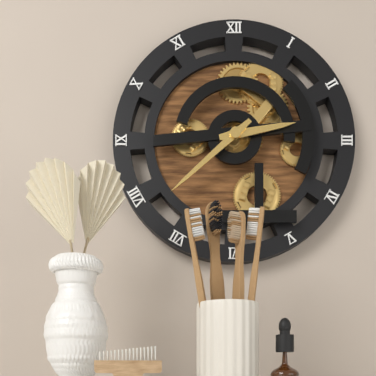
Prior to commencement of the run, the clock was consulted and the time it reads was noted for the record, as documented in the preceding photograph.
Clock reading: 2:38
